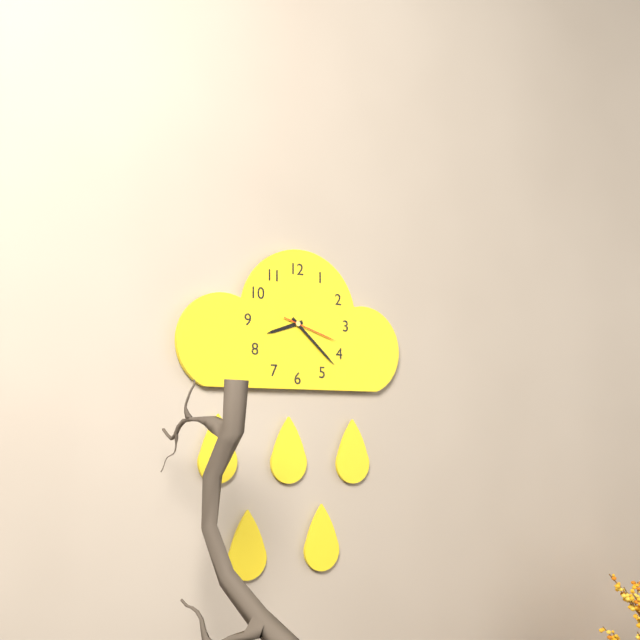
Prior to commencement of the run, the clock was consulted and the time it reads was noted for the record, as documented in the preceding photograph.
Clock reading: 8:22:18
